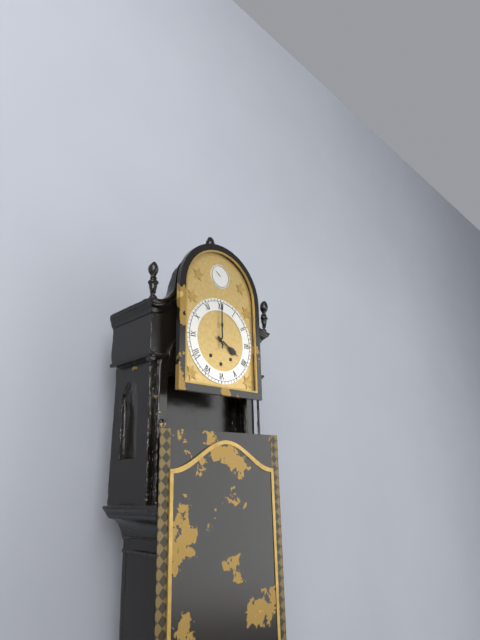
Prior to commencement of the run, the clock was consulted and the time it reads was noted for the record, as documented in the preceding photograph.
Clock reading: 4:00
